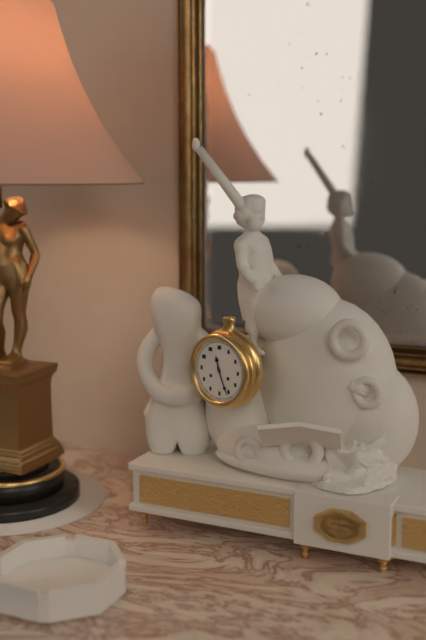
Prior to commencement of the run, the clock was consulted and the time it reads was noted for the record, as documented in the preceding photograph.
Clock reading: 11:26
